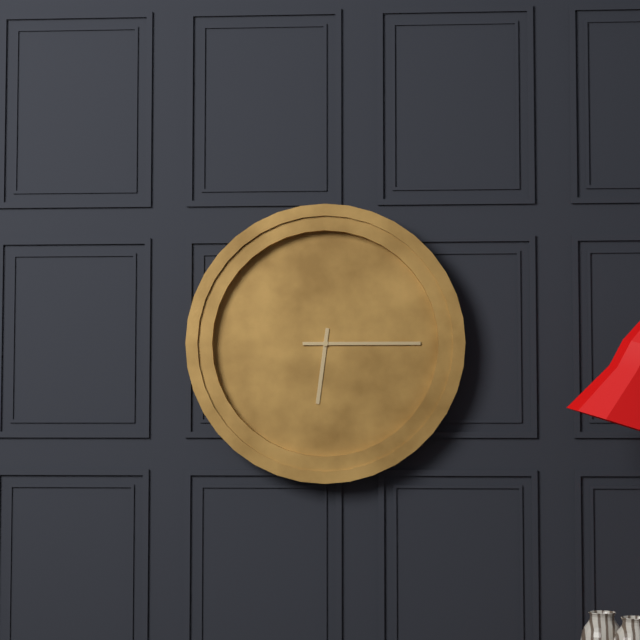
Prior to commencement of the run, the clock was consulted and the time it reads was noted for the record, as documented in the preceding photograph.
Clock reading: 6:15
